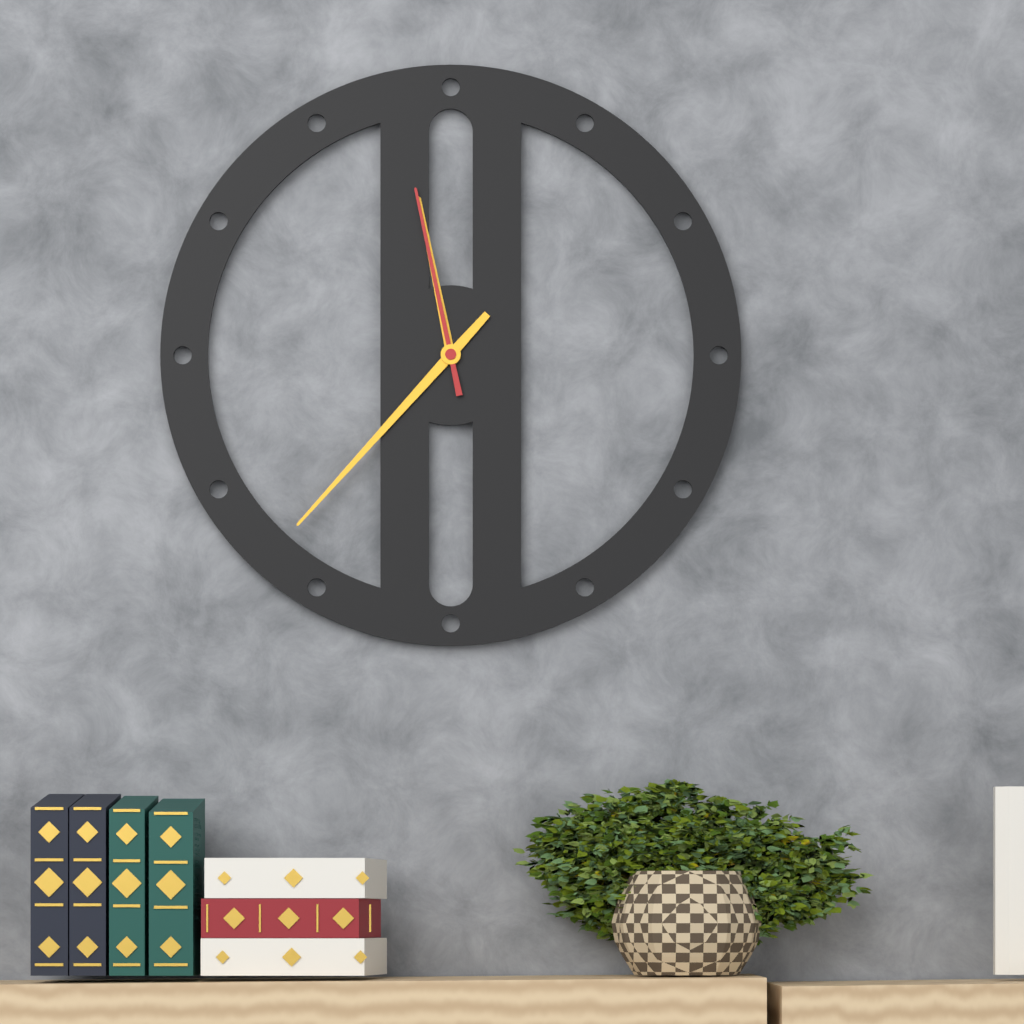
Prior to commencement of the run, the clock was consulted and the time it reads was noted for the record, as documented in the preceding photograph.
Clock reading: 11:37:58
